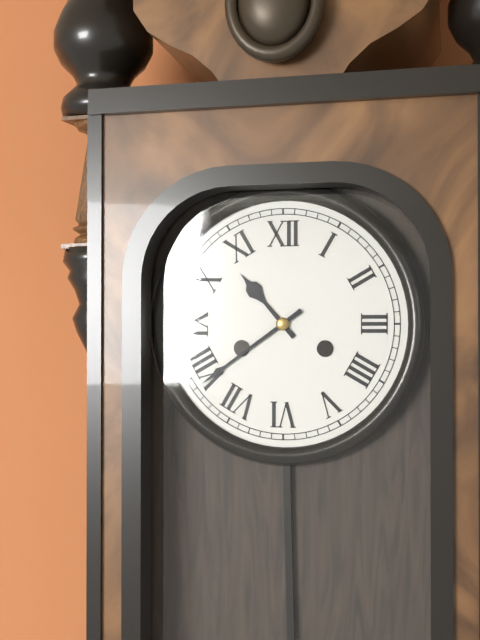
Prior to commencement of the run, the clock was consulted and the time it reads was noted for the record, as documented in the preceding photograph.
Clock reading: 10:39
